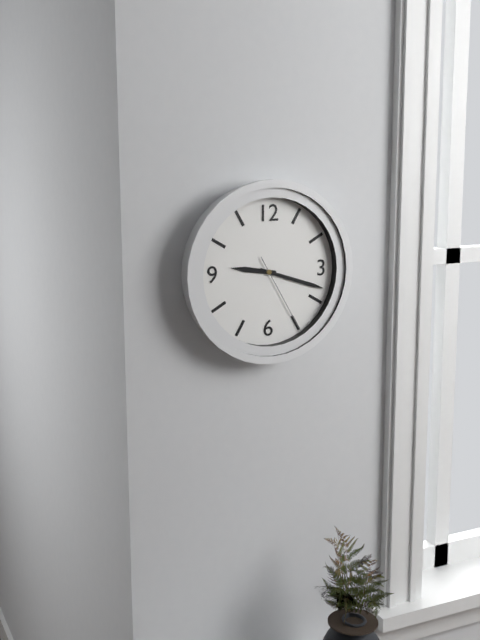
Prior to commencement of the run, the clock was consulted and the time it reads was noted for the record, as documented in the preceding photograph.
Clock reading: 9:18:25
